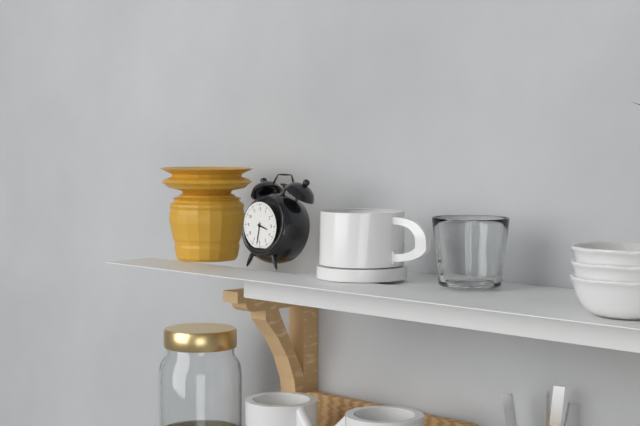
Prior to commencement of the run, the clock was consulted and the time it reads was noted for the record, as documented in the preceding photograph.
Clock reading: 3:32
